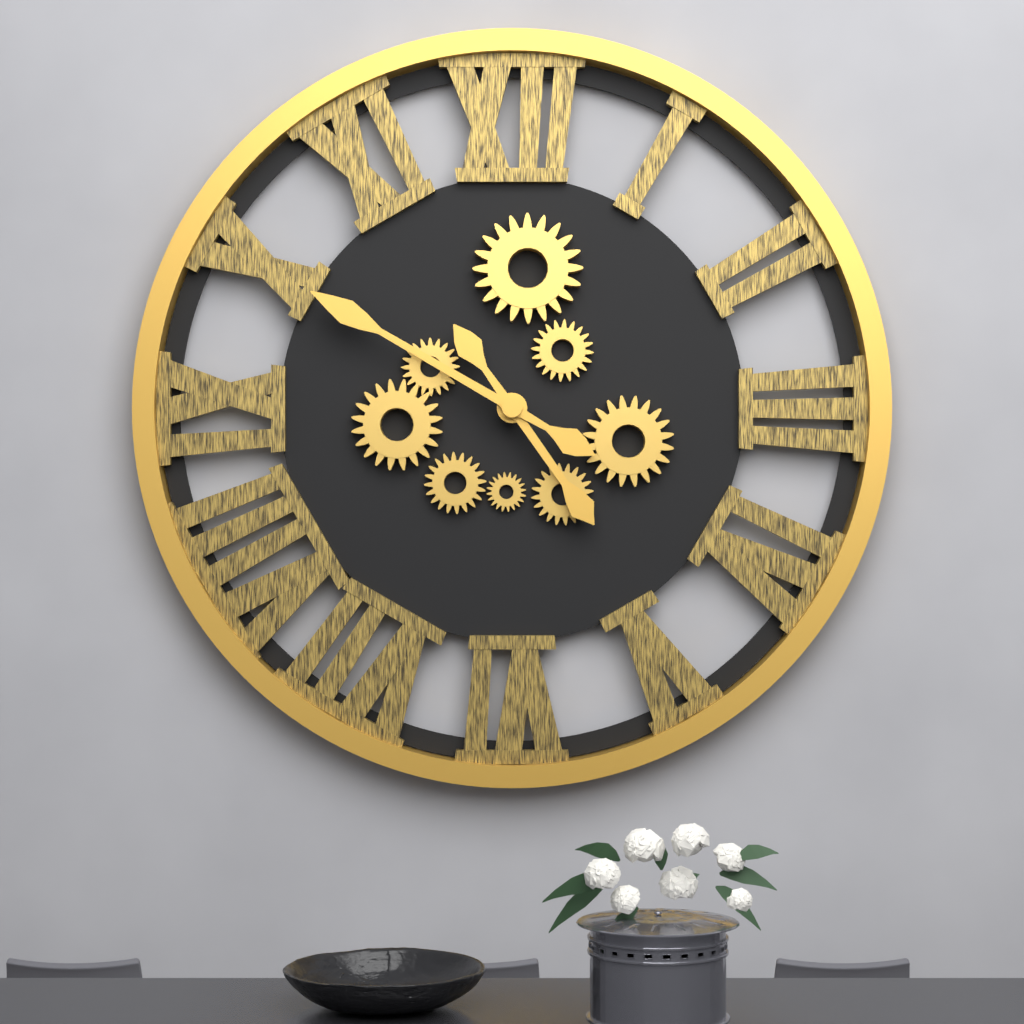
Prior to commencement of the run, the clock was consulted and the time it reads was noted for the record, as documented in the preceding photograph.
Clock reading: 4:50
